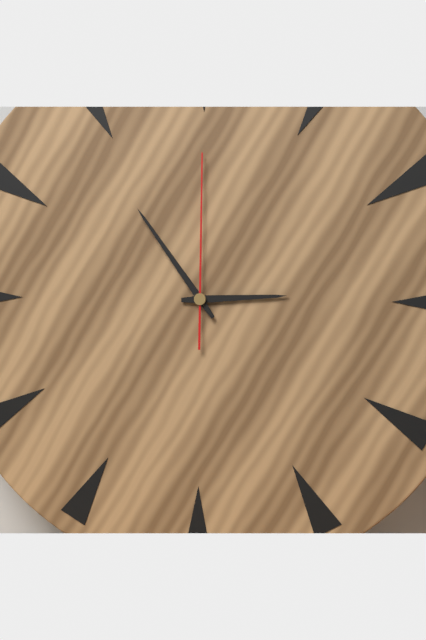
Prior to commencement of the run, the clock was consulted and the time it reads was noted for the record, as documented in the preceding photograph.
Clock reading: 2:54:00
